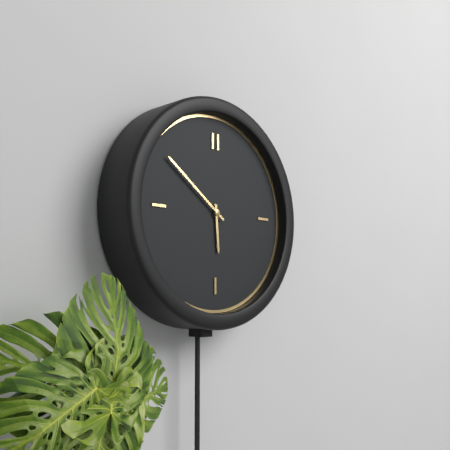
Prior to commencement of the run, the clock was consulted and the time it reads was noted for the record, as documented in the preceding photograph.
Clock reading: 5:51
